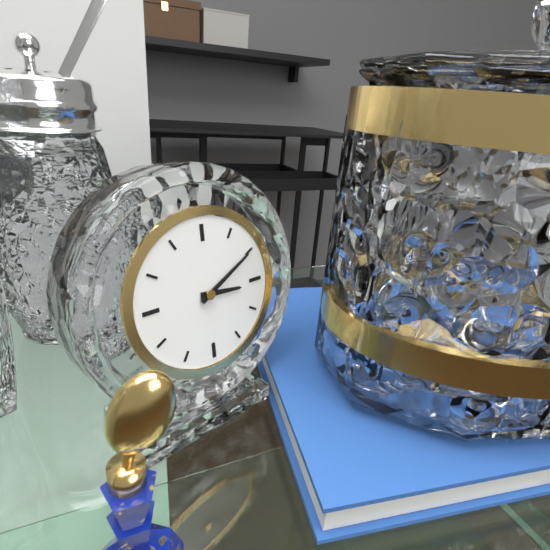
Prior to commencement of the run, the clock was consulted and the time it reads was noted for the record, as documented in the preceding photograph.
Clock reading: 3:10
